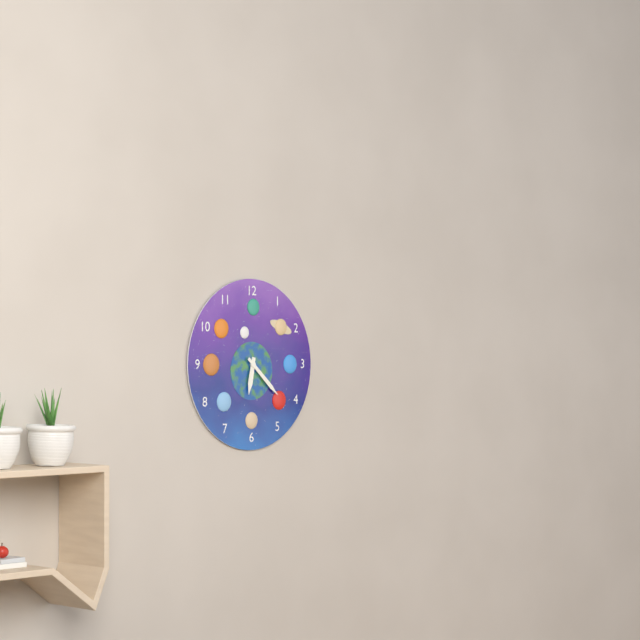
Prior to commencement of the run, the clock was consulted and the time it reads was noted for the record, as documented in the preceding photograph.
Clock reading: 6:22
